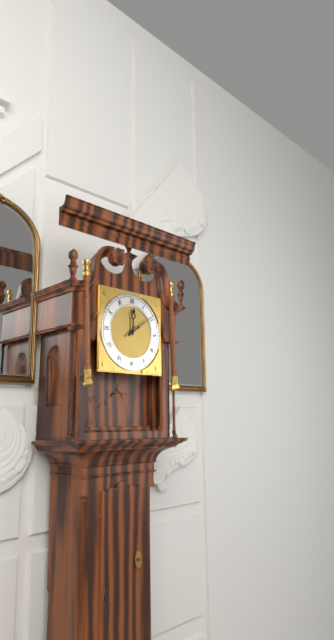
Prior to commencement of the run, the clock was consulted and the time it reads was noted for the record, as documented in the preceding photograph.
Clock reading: 12:09
